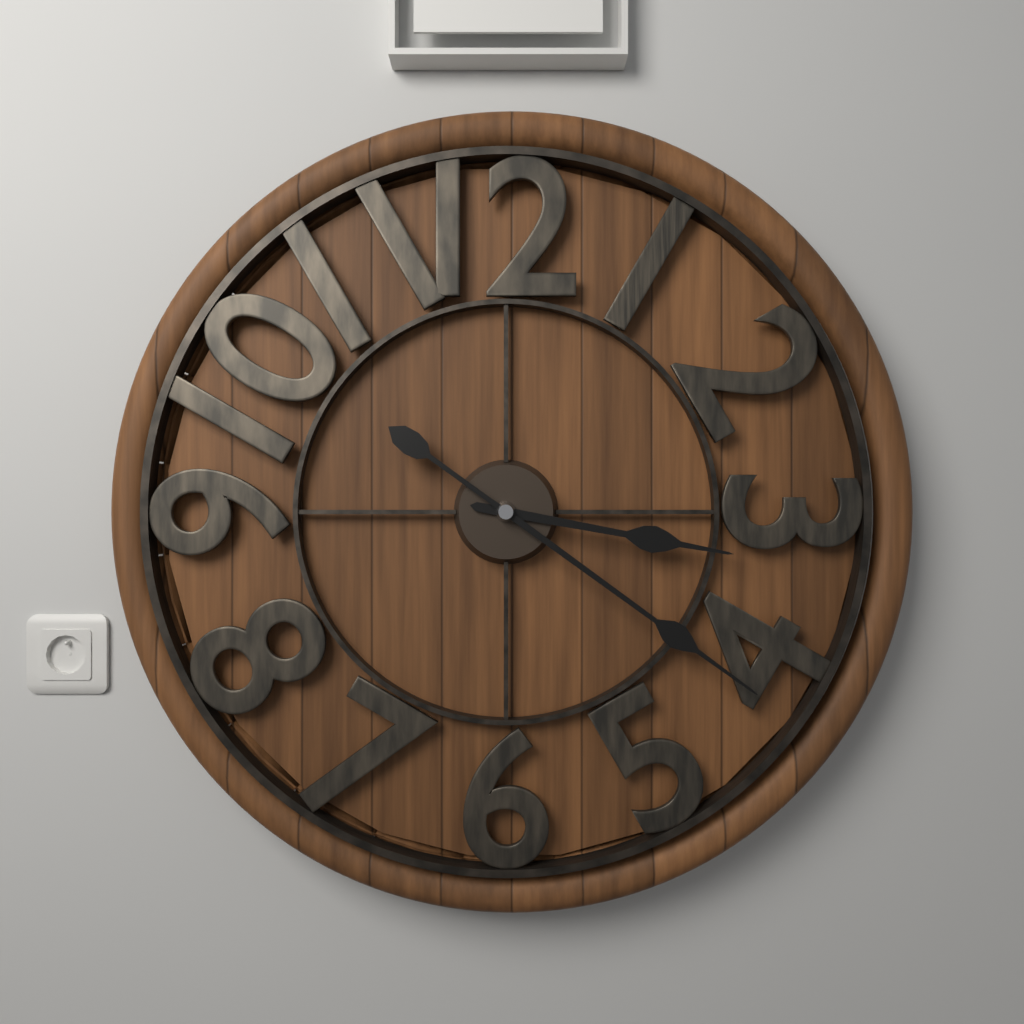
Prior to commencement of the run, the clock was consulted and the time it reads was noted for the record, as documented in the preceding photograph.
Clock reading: 3:21
